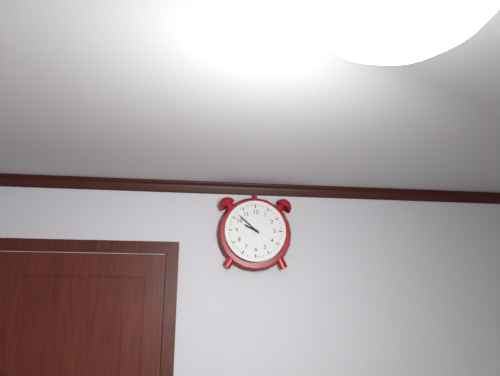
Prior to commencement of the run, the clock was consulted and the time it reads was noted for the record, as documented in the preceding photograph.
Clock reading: 9:52
